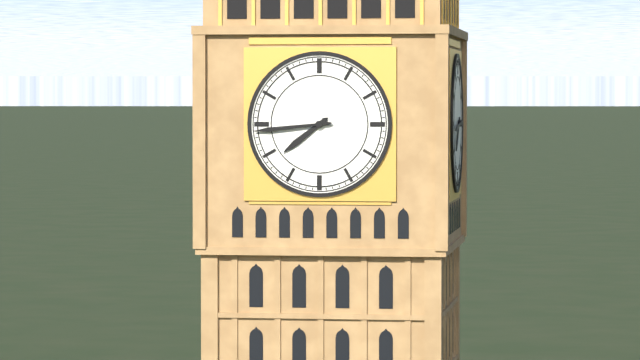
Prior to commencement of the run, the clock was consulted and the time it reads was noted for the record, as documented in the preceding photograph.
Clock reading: 7:44
